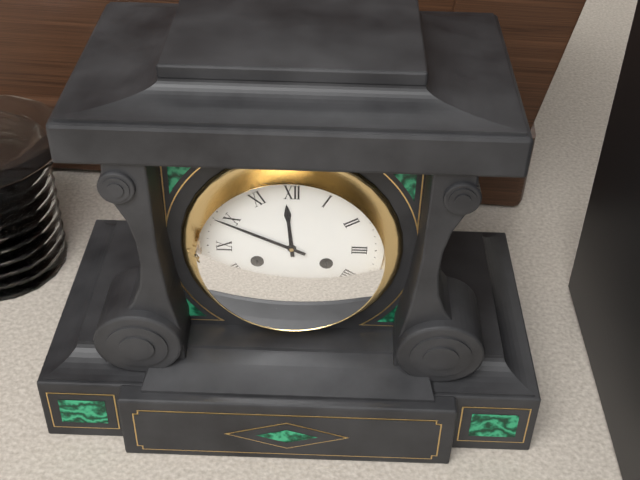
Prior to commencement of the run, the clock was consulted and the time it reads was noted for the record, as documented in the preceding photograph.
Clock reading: 11:49
